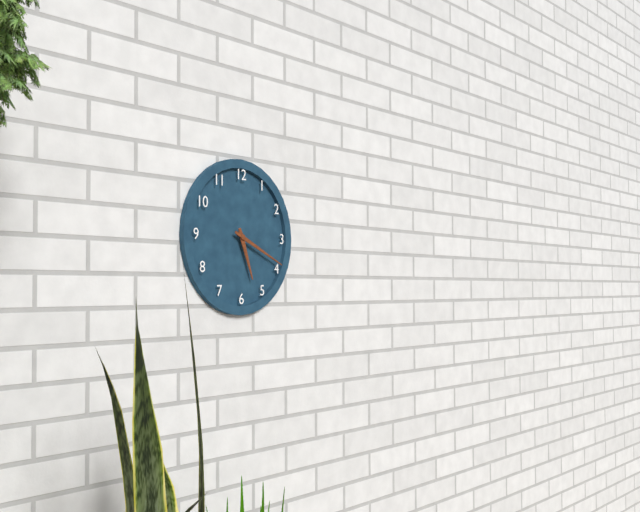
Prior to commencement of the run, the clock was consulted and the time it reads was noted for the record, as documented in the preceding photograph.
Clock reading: 5:19
